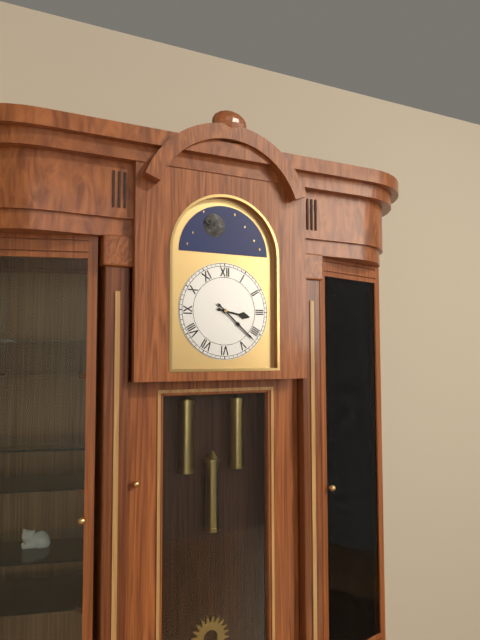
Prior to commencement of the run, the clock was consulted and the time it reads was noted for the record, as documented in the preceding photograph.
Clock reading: 3:22
